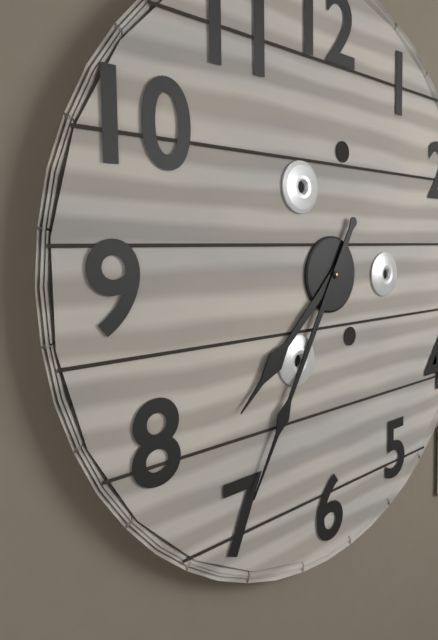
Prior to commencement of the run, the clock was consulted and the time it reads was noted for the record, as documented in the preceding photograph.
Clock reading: 7:35
